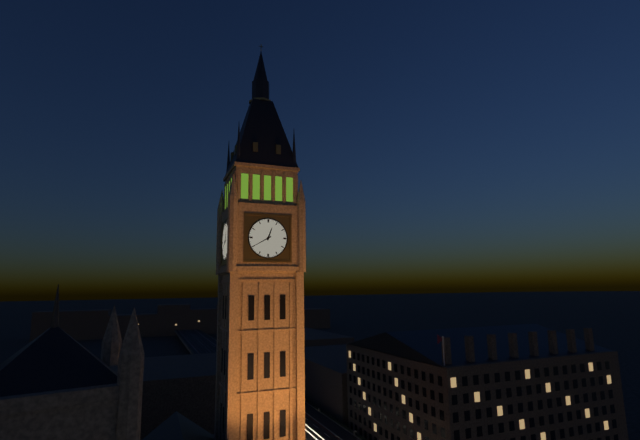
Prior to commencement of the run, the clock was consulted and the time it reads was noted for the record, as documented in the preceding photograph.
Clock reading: 12:40
